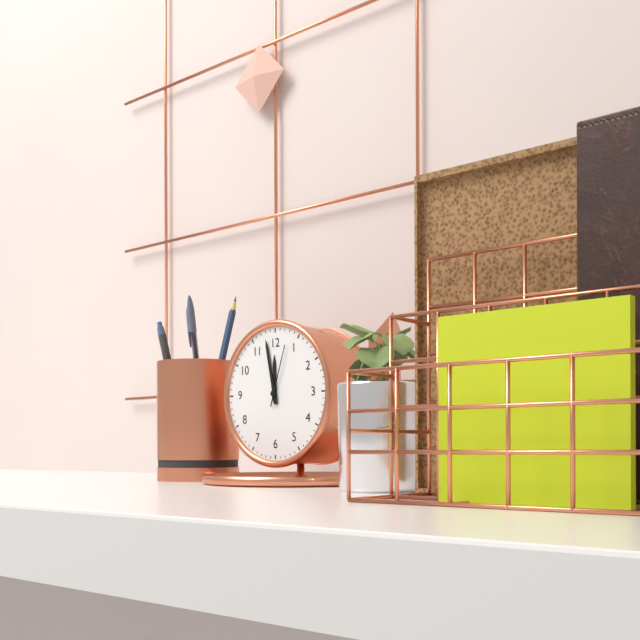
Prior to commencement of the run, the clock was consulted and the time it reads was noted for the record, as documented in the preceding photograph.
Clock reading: 11:58:03
